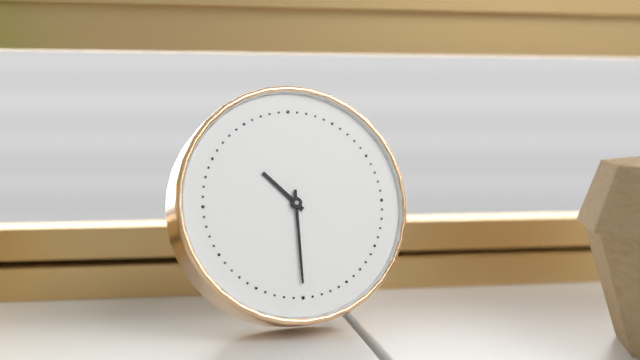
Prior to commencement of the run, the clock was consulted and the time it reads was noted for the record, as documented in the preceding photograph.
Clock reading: 10:30
